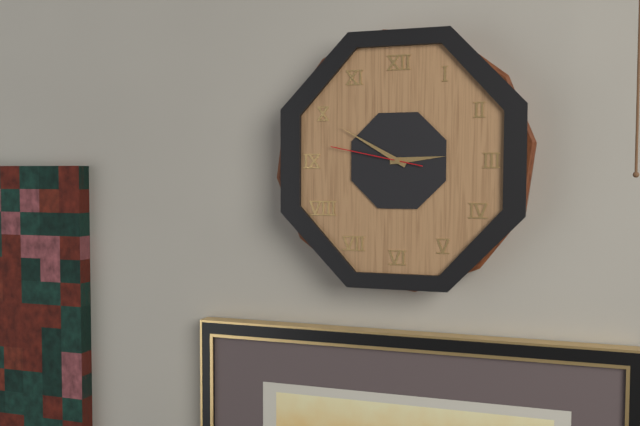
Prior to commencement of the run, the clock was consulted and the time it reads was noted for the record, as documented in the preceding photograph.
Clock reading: 2:50:47
